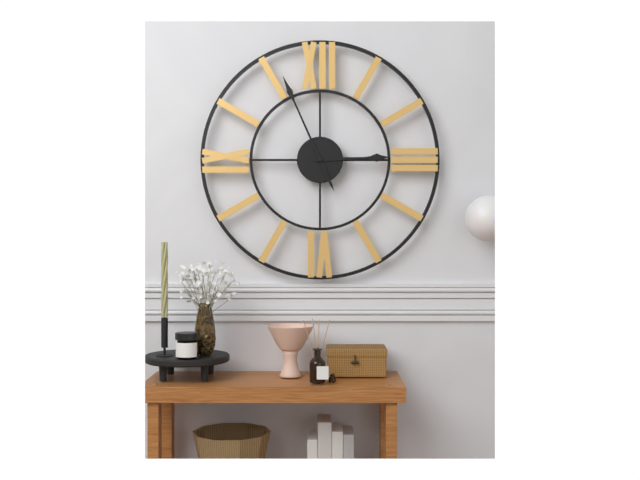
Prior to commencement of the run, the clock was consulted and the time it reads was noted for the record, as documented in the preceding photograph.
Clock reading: 2:56
